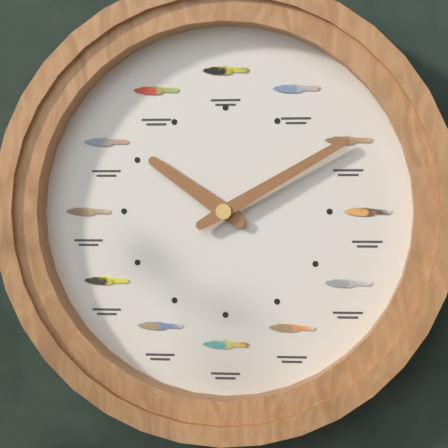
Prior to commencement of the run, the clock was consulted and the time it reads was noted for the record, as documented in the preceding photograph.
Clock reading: 10:10
